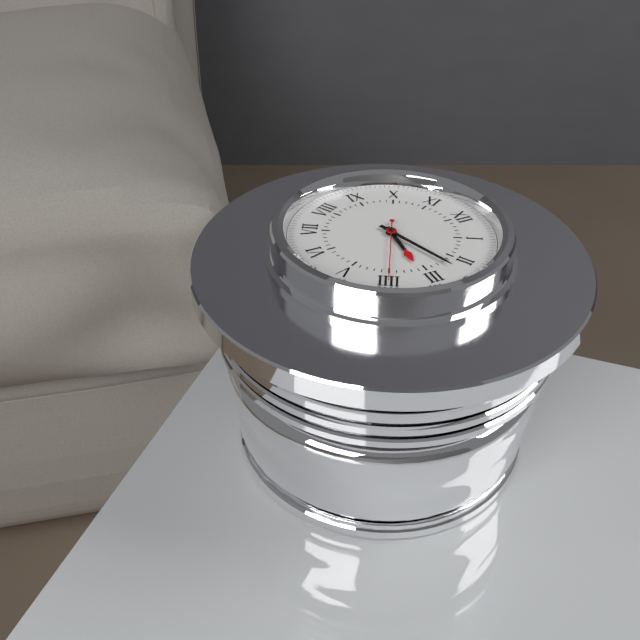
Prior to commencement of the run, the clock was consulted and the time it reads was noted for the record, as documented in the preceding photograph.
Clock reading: 3:12:20
